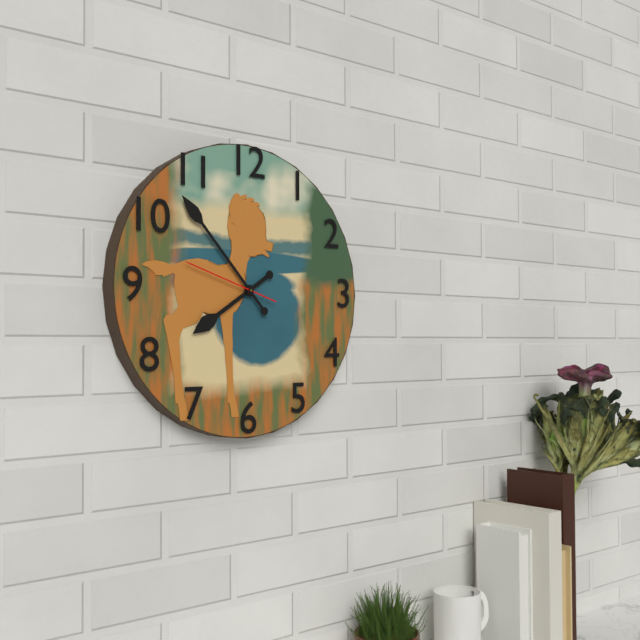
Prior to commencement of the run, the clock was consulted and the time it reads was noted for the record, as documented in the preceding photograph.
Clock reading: 7:53:48
